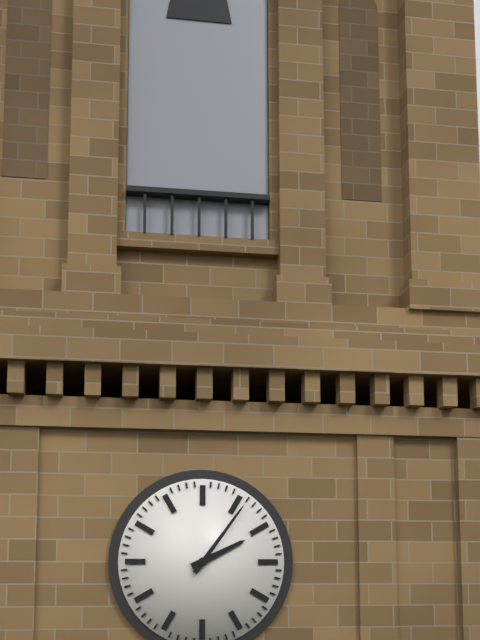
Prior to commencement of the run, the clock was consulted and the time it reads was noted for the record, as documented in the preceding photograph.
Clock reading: 2:06
